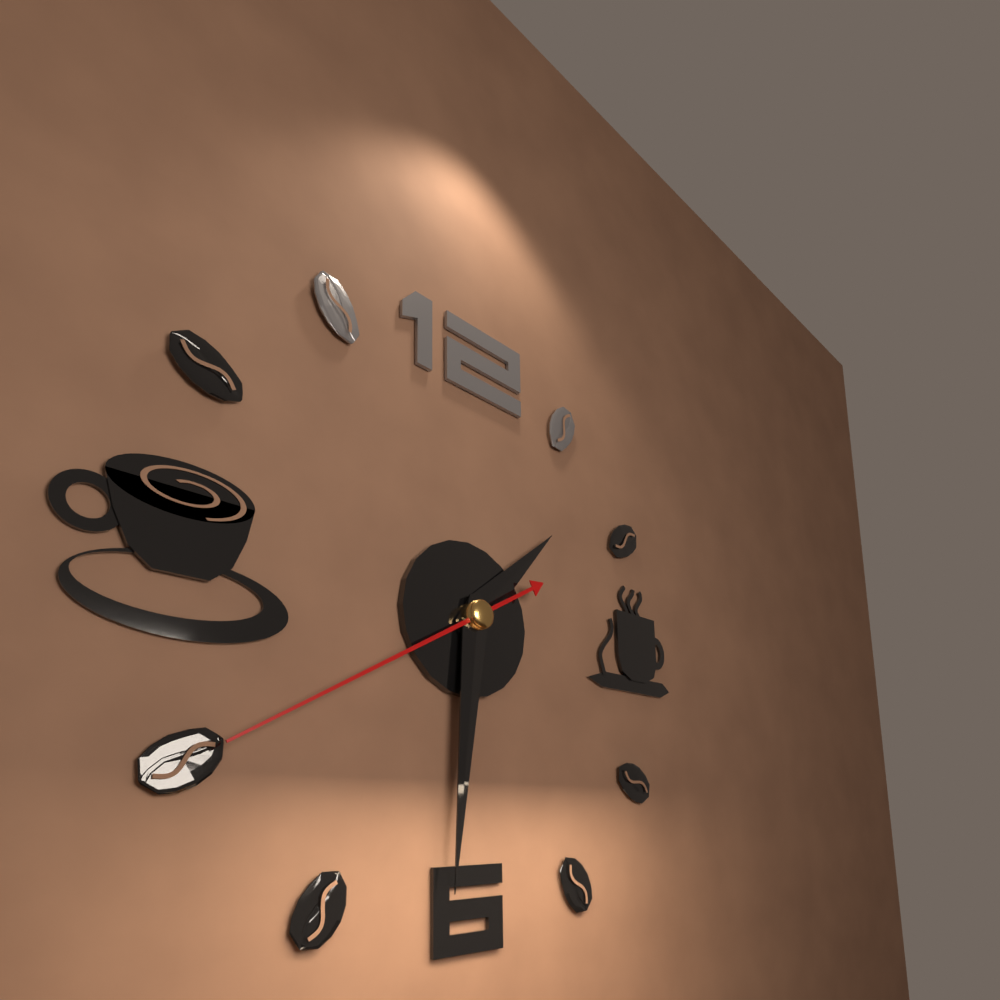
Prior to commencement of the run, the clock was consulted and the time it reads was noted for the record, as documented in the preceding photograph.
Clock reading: 1:31:40
